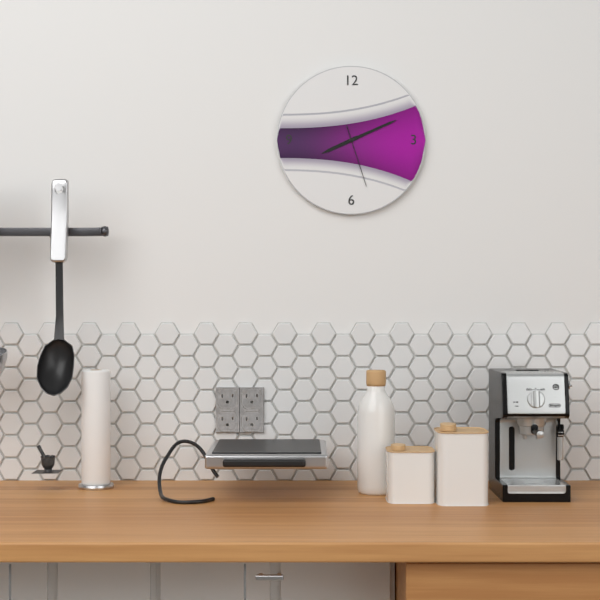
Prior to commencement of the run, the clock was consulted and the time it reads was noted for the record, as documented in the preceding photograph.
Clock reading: 8:11:27
